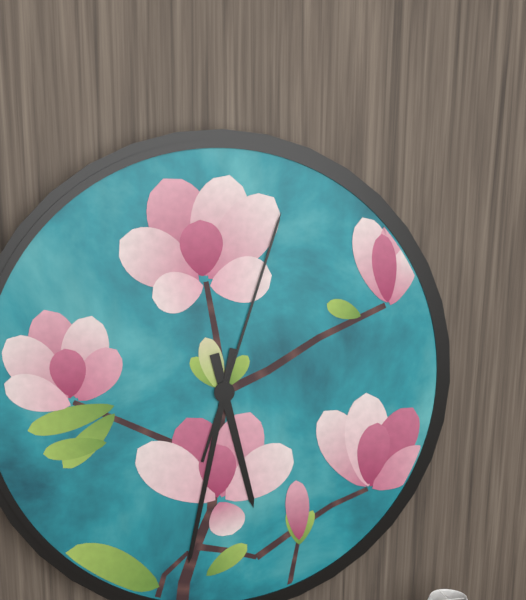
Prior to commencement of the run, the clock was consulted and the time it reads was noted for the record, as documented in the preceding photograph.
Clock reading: 5:32:03
